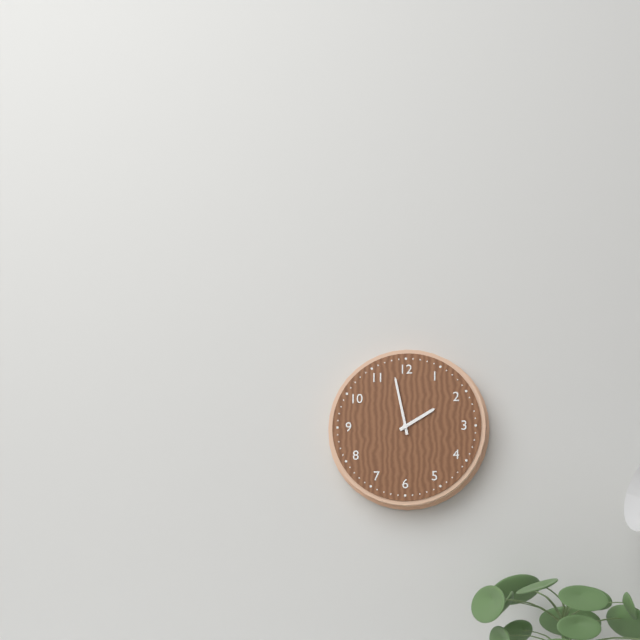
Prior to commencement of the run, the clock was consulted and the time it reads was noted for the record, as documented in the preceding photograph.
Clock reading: 1:58
